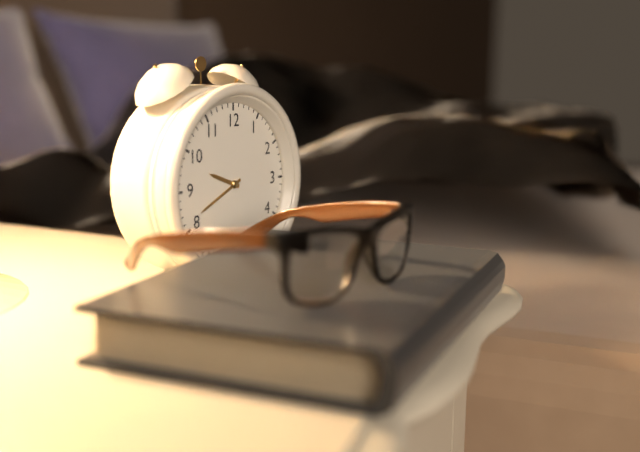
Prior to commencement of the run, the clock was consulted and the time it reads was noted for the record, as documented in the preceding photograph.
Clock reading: 9:41
